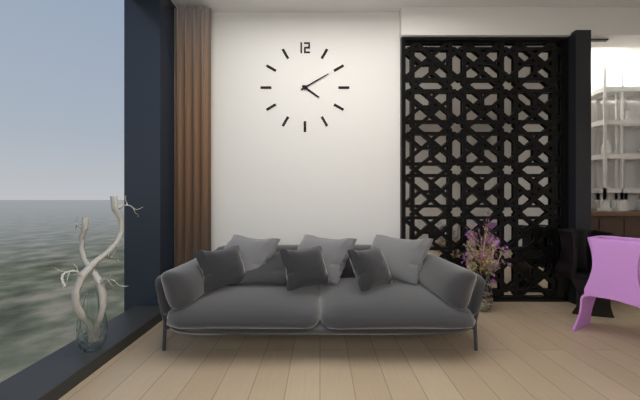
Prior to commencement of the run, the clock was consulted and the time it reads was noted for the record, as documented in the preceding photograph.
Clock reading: 4:10
